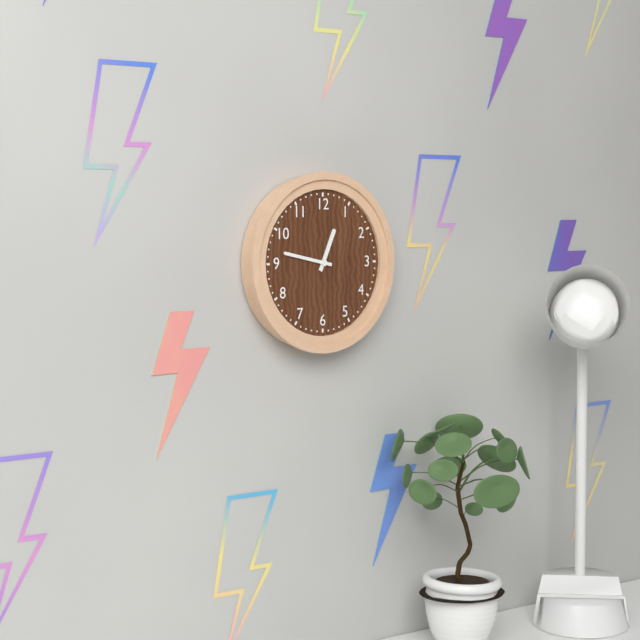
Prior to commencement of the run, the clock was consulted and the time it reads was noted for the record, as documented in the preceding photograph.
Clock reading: 12:47
